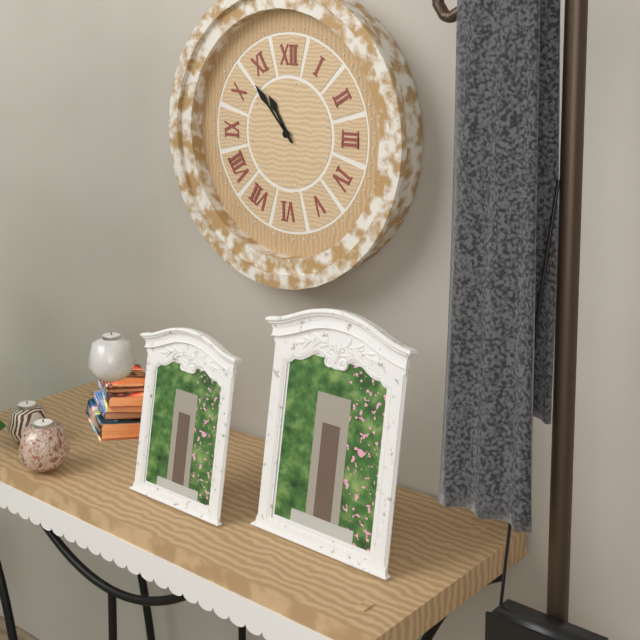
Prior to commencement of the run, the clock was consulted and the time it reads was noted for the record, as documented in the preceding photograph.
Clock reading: 10:53
